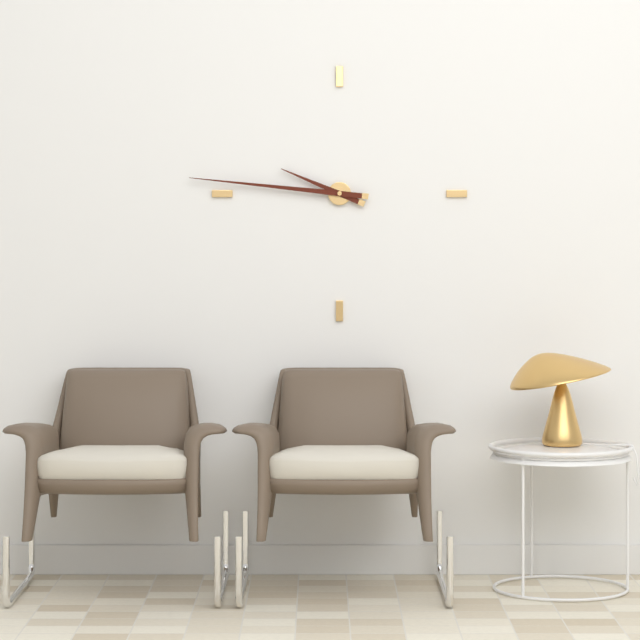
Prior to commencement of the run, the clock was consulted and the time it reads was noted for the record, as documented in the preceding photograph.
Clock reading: 9:46
